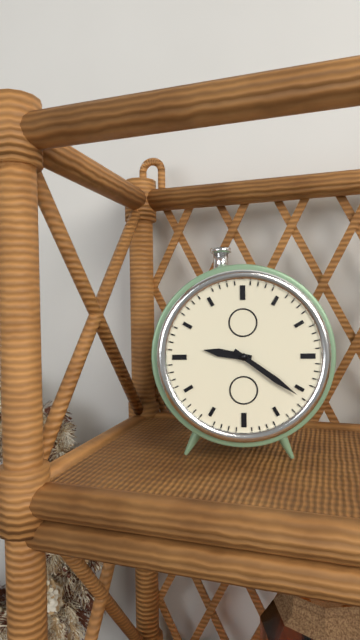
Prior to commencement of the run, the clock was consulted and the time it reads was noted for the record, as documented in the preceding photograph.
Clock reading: 9:21
